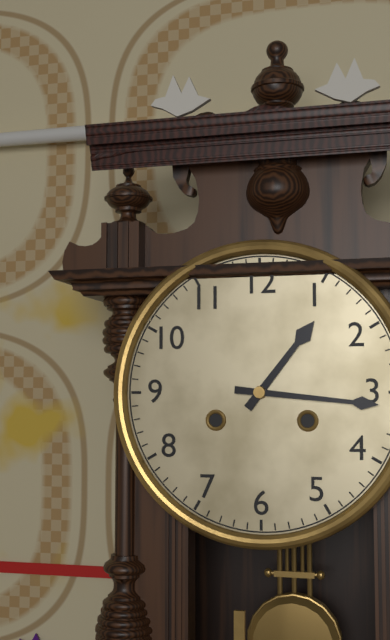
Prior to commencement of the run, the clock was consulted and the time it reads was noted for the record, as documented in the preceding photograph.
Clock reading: 1:16
